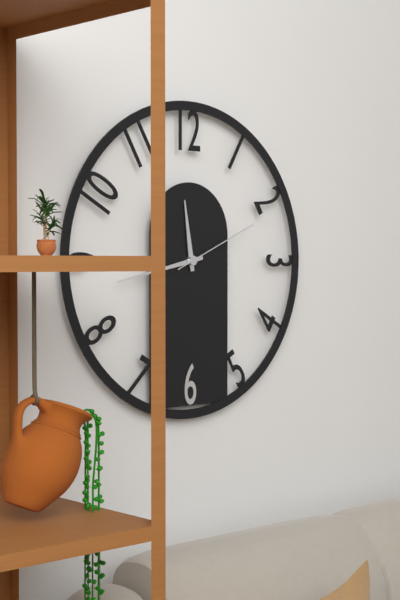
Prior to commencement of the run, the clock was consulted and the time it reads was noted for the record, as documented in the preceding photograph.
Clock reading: 11:43:11
